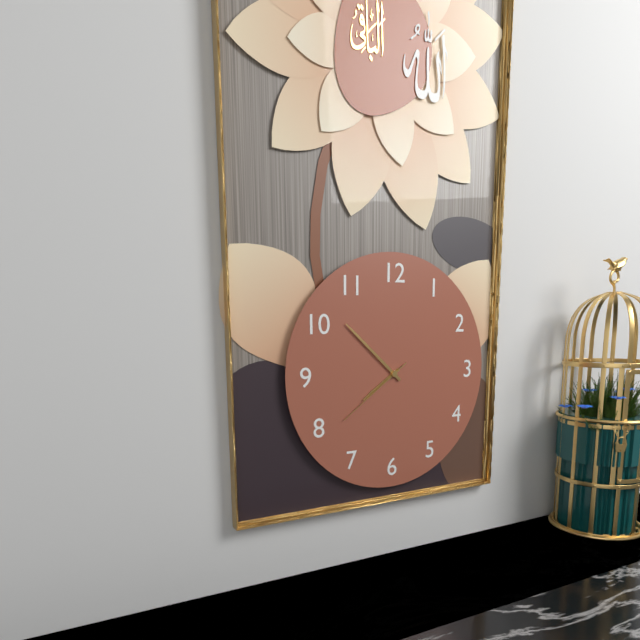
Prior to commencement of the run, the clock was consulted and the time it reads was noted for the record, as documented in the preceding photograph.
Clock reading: 7:52:39
